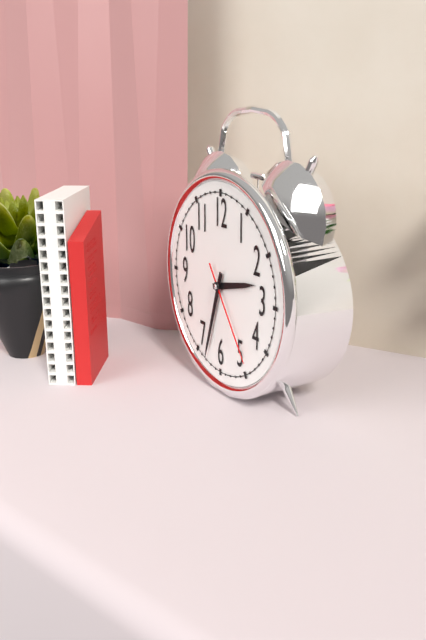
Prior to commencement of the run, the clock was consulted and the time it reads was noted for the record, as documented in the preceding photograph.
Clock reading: 2:33:24
